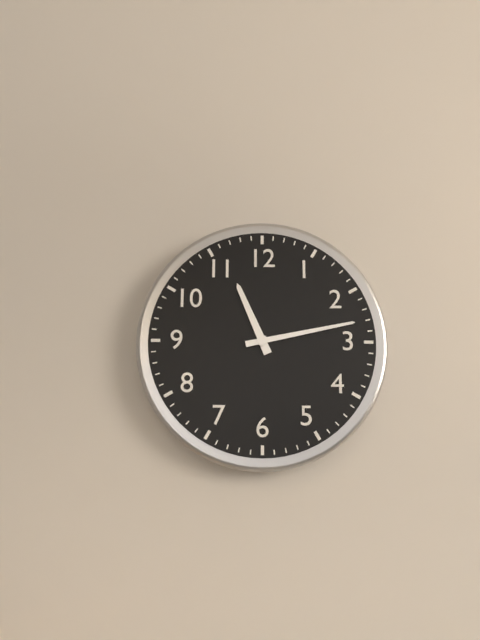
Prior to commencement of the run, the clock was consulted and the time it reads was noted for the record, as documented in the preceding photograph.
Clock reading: 11:13
